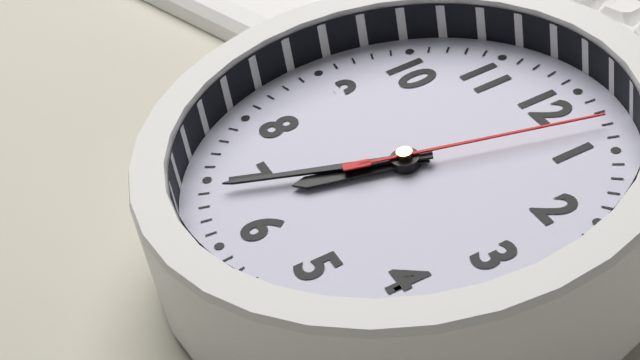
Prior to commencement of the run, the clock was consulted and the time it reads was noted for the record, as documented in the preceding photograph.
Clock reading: 6:34:03
